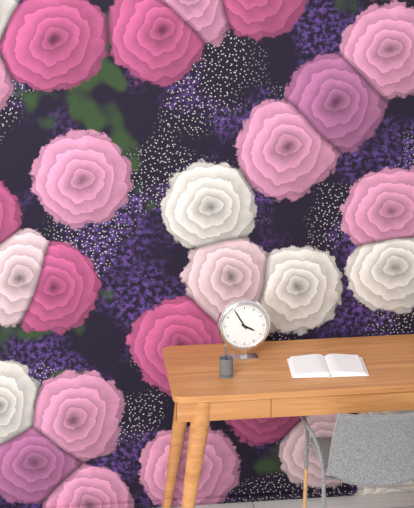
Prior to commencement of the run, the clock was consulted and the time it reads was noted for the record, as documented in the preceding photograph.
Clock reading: 3:55
